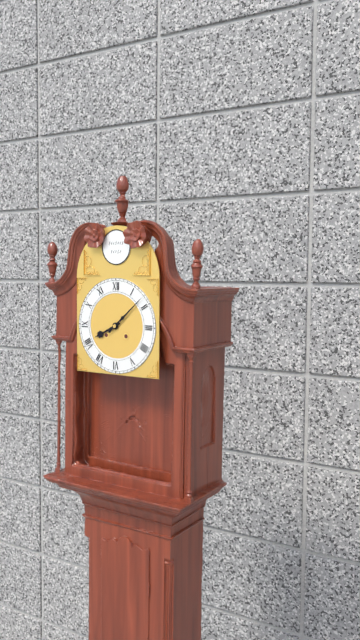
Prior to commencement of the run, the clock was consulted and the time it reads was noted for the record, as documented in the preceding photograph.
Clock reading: 8:08
